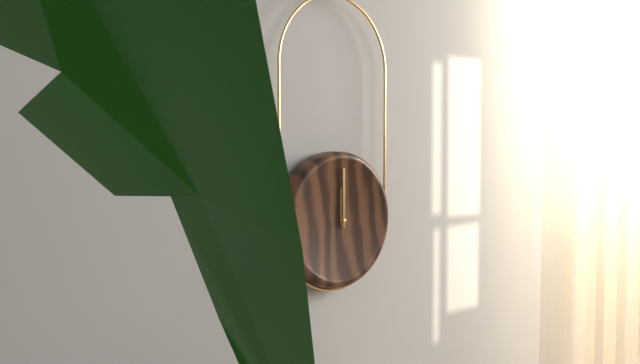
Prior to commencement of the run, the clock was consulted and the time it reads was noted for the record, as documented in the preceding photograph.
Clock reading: 12:00
